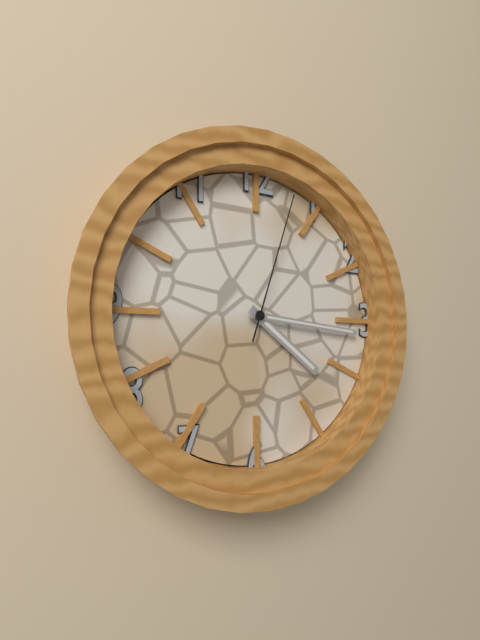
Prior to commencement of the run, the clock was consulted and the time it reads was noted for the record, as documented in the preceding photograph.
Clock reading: 4:16:03
